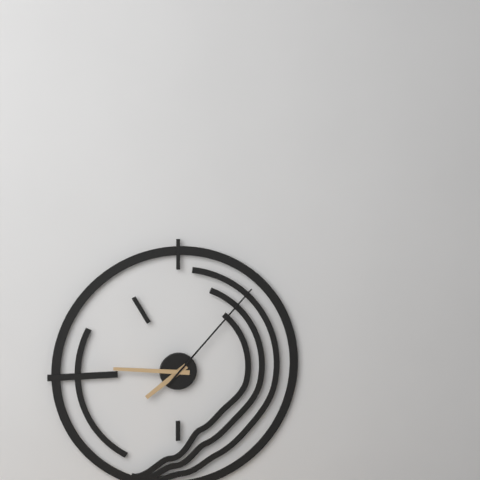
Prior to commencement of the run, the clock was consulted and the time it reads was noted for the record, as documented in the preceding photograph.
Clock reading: 7:46:07
